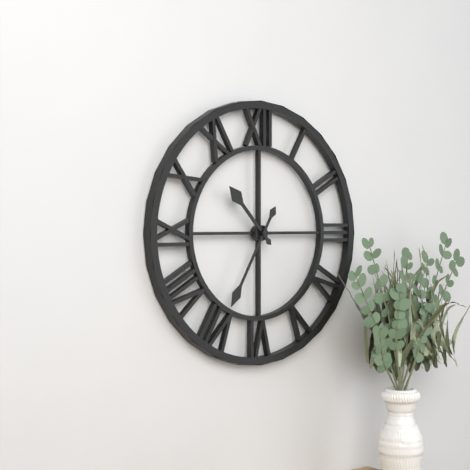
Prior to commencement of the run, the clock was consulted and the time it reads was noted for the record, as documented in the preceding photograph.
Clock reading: 10:35
